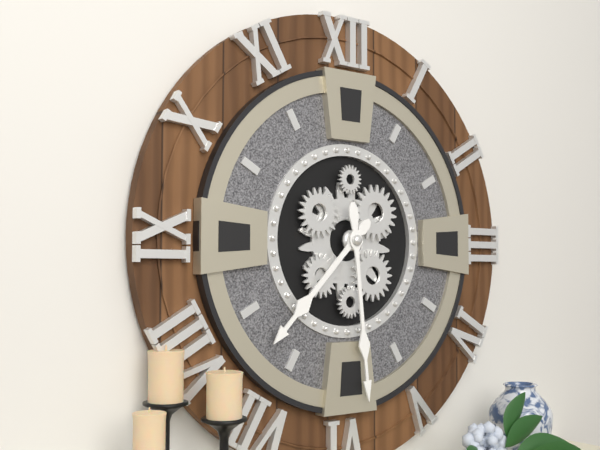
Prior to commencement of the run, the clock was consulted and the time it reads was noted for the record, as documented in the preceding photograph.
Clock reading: 7:29
